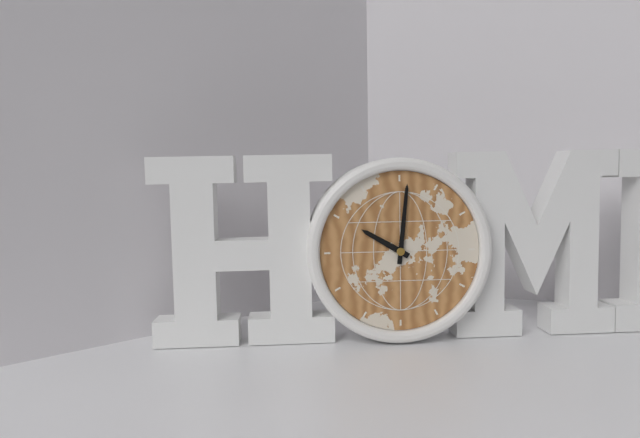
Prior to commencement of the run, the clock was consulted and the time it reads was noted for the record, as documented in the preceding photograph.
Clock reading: 10:01
